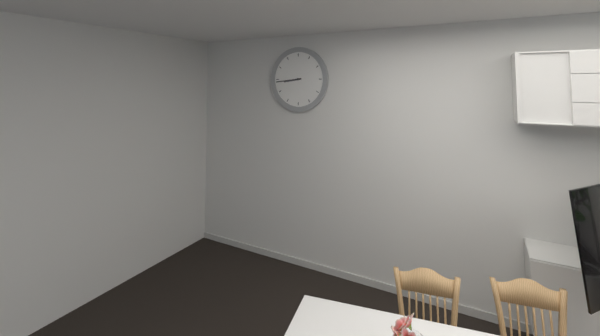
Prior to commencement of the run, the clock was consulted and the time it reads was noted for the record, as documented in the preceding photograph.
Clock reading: 8:44
